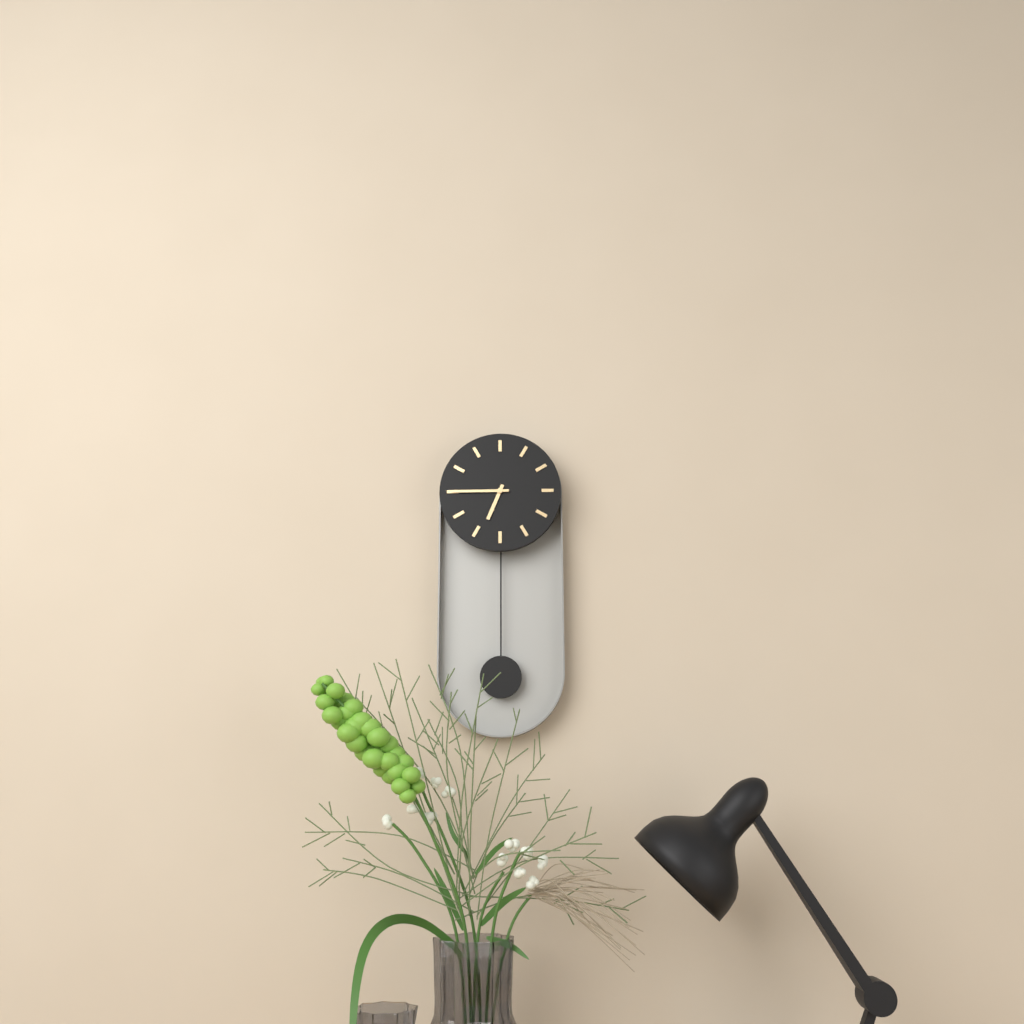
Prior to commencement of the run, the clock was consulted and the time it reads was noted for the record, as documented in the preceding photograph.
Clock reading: 6:45
